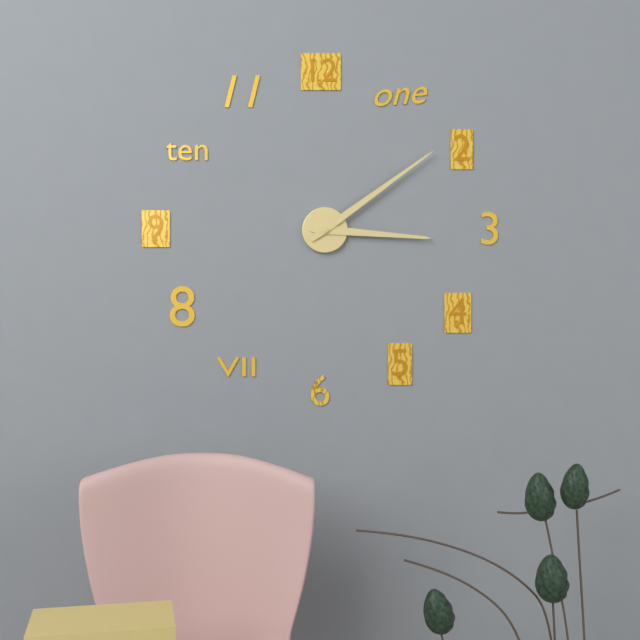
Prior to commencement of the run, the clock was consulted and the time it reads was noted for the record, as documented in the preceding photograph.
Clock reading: 3:09
